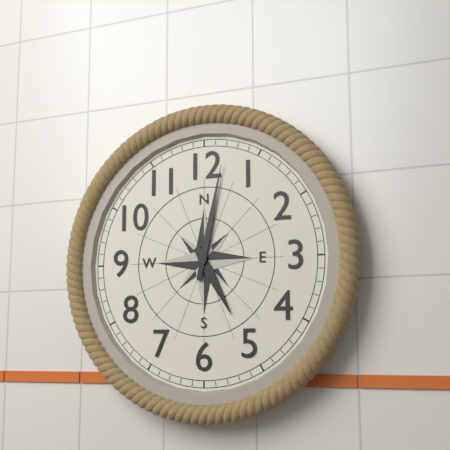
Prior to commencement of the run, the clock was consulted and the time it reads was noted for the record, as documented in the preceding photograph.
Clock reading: 5:02
